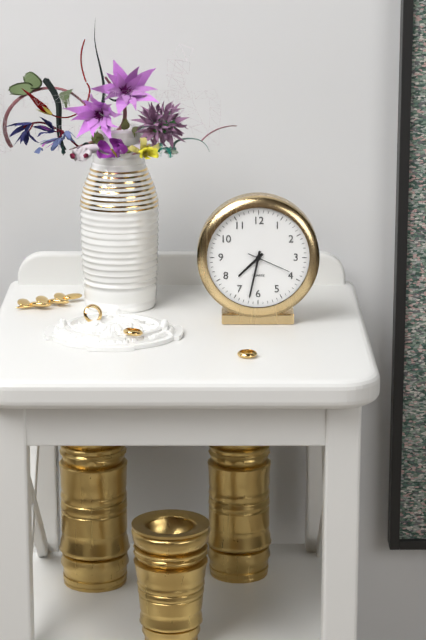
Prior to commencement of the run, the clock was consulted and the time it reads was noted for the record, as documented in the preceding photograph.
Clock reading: 7:32
